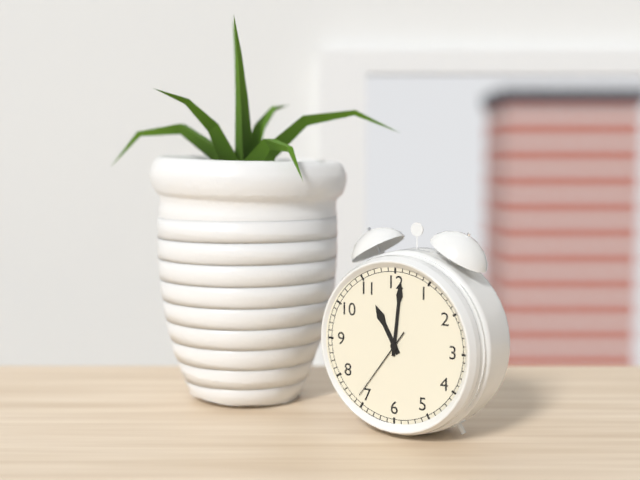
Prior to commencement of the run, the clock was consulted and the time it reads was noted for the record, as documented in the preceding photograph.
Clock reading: 11:01:36
